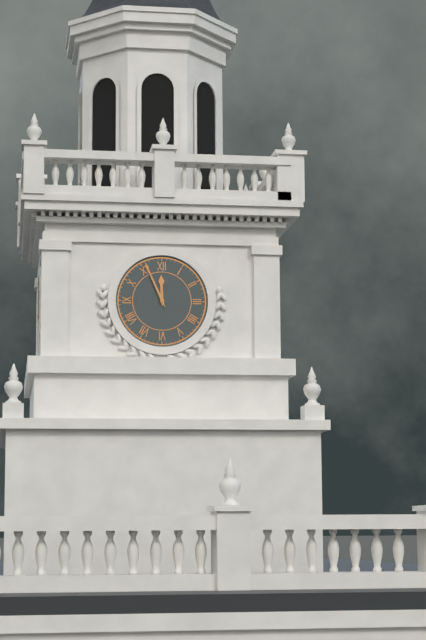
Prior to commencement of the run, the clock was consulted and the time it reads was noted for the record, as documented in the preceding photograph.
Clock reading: 11:56
